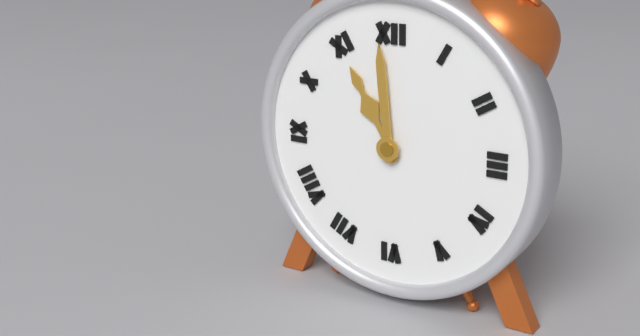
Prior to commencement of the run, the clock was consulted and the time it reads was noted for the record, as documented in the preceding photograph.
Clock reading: 10:59
